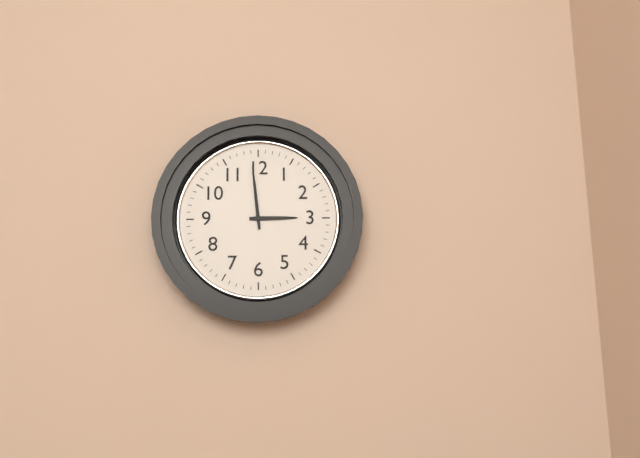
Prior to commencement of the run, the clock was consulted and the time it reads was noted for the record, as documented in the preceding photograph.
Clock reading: 2:59
